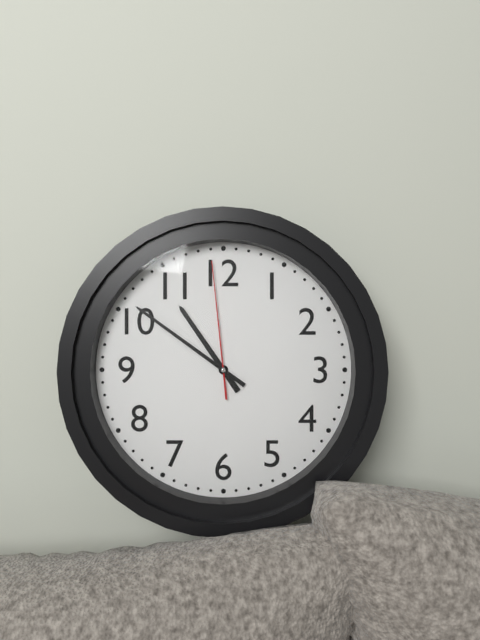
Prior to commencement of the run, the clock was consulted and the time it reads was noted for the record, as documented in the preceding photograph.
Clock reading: 10:51:59
